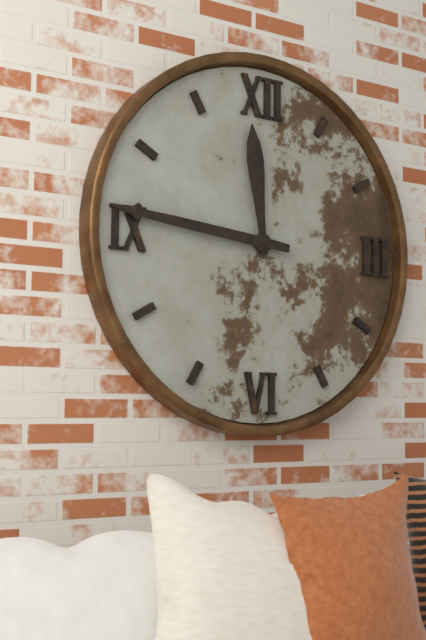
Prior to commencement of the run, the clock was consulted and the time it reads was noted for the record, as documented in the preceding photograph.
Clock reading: 11:46
